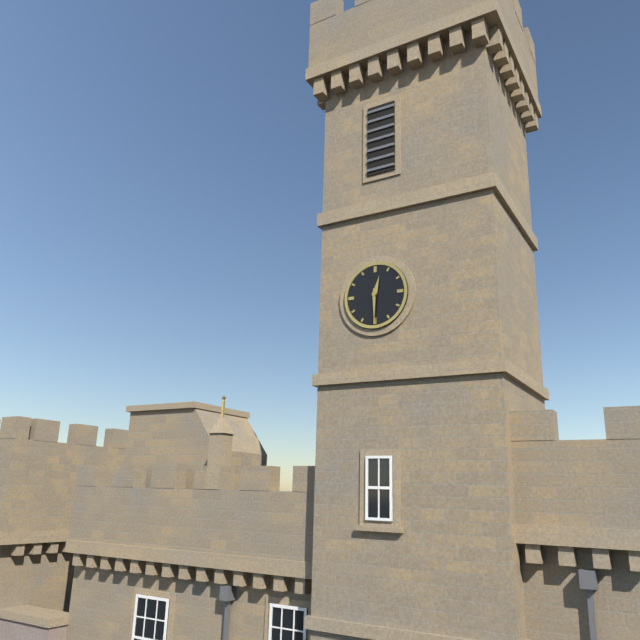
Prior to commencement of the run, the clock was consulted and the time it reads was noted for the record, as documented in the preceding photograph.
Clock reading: 12:30
